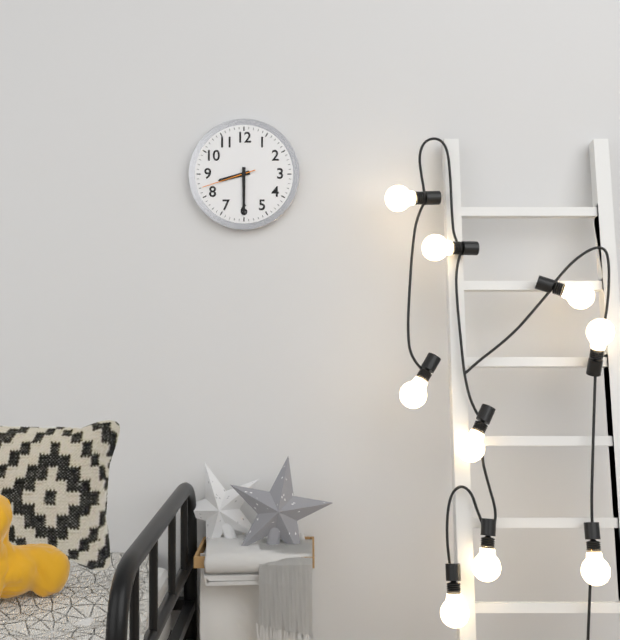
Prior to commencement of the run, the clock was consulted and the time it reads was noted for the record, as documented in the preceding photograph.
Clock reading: 8:30:42
